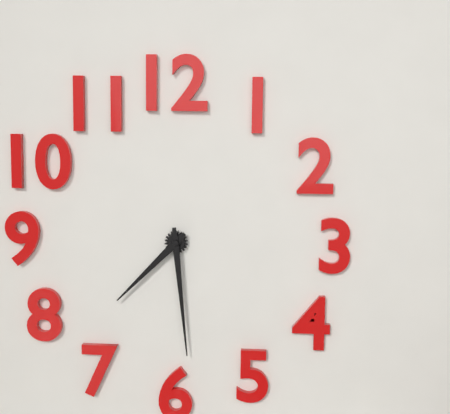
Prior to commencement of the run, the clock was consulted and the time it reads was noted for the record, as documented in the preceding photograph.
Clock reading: 7:29
